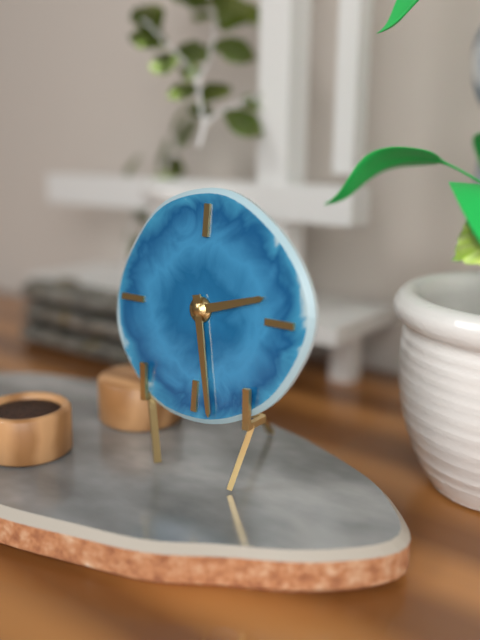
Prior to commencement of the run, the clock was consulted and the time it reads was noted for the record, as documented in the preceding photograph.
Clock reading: 2:28
